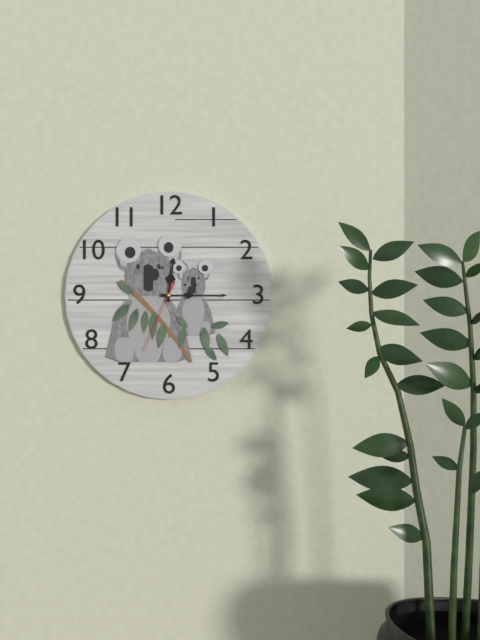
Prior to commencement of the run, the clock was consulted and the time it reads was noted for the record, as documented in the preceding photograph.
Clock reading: 12:15:34
